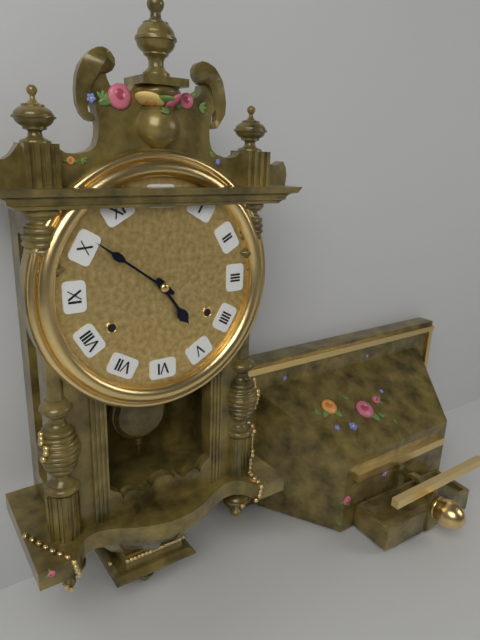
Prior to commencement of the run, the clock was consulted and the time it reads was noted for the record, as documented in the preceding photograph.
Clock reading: 4:51
